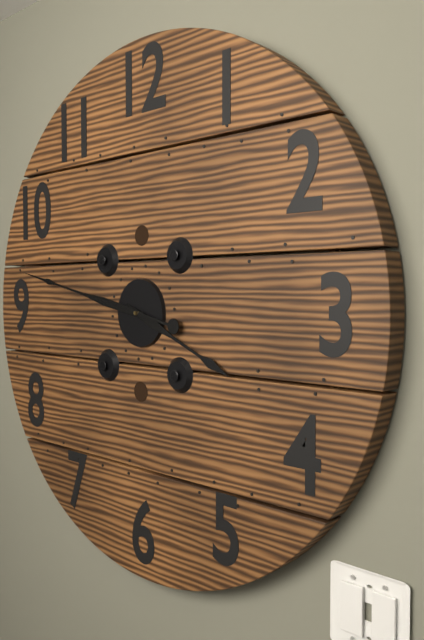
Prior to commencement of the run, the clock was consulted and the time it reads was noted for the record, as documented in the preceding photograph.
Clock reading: 3:47
